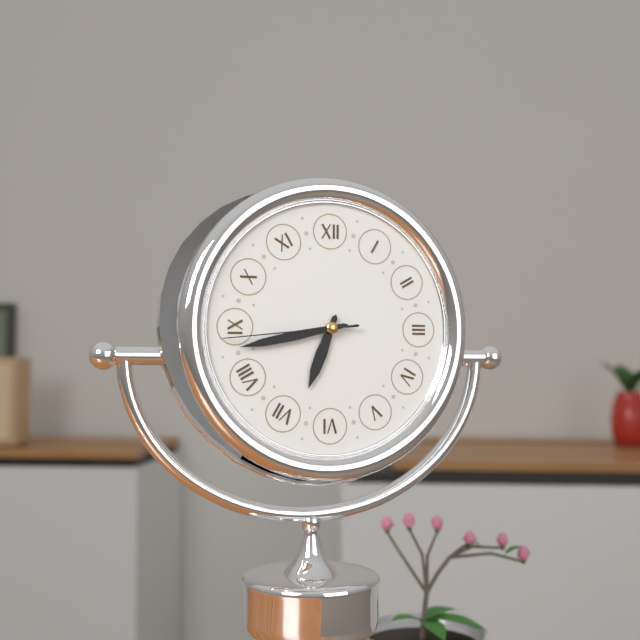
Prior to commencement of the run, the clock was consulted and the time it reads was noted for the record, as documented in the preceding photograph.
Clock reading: 6:43:44
